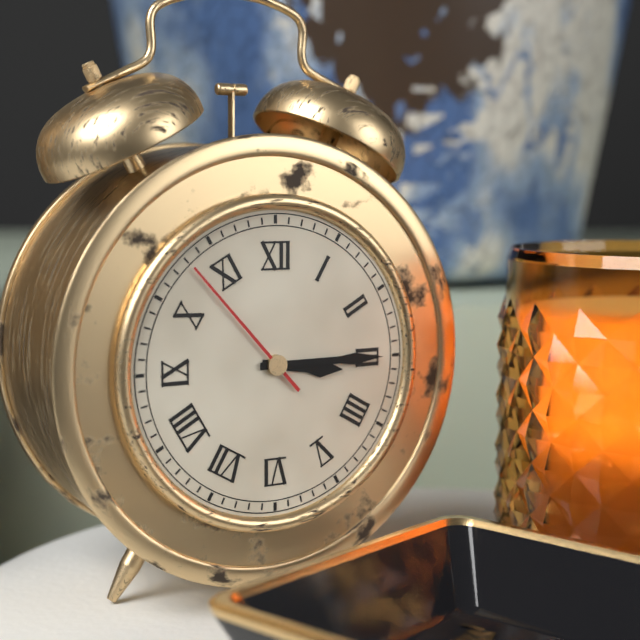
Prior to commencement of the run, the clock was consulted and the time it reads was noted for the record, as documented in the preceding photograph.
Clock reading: 3:15:53
